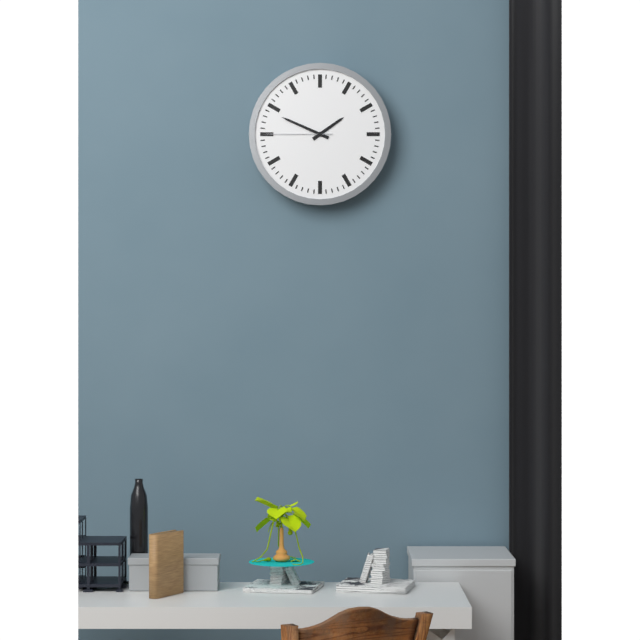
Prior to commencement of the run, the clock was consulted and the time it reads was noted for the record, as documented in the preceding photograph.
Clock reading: 1:49:45
